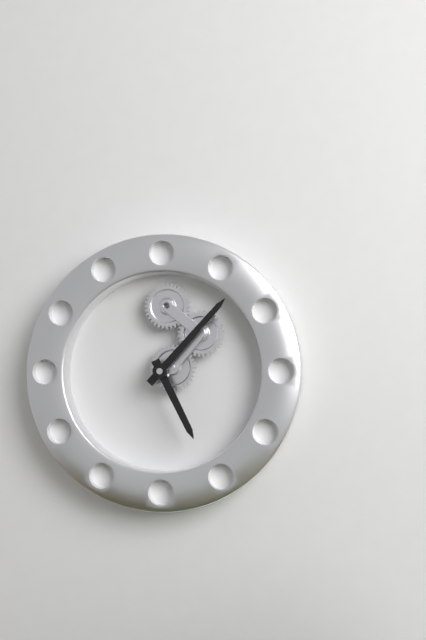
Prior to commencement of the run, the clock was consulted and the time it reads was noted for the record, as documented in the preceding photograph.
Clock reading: 5:07
